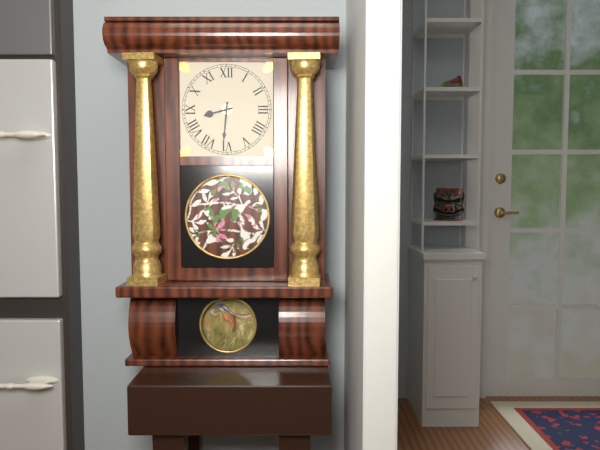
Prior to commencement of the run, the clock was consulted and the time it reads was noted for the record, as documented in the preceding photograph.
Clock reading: 8:31
